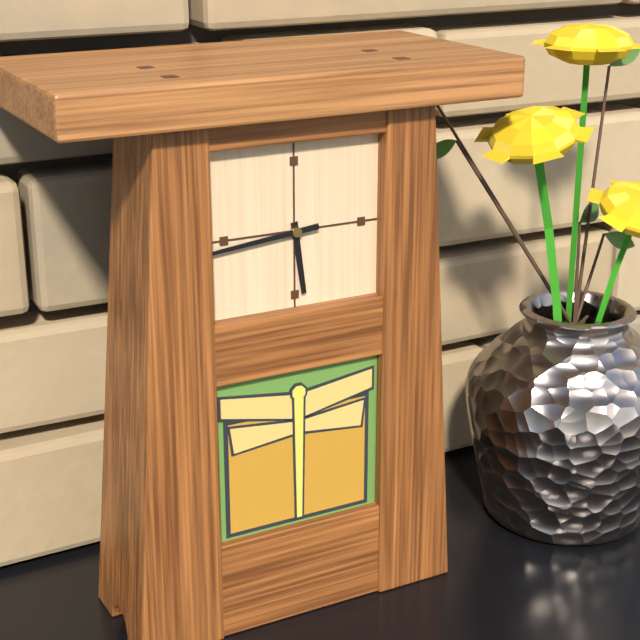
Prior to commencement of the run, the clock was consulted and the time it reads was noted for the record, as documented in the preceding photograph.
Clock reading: 5:44
